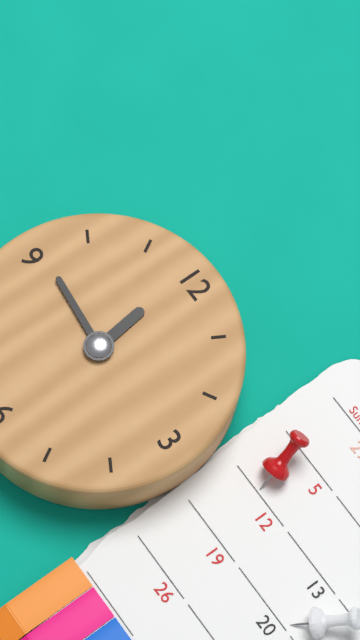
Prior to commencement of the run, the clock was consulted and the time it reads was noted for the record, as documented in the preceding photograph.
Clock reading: 11:46
